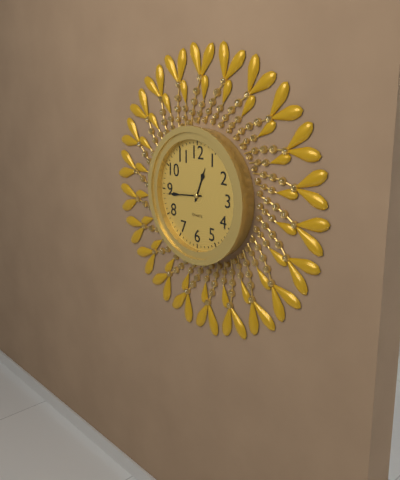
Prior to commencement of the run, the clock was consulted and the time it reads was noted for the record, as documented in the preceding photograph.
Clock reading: 12:44
